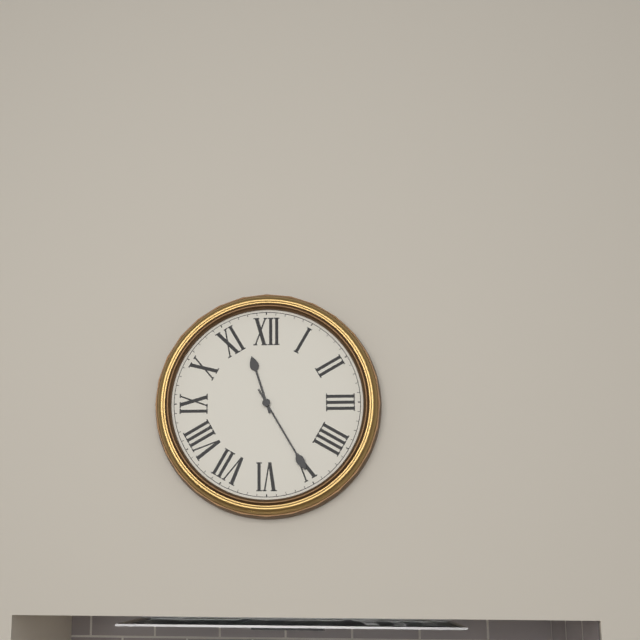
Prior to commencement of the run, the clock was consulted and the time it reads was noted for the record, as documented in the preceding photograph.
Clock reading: 11:25
